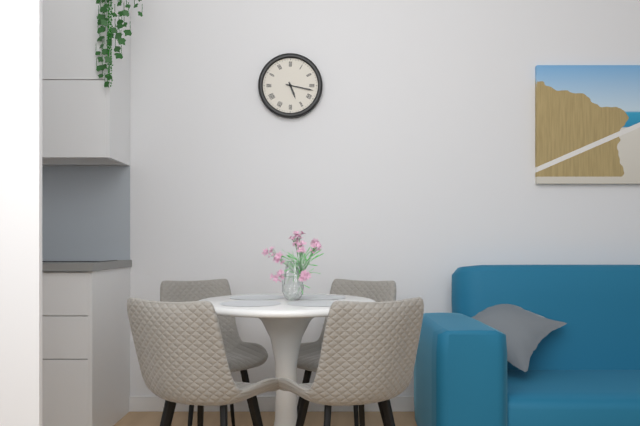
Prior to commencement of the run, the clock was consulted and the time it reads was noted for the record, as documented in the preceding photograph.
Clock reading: 5:17
